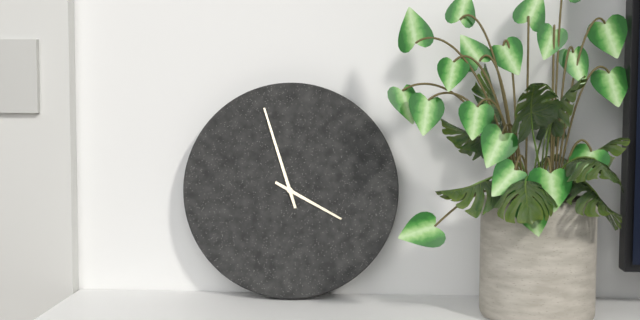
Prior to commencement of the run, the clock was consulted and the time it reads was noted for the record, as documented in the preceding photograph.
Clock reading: 3:57
